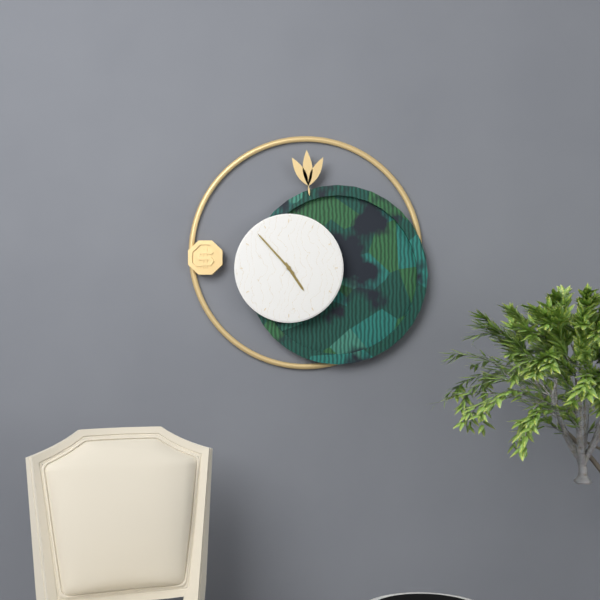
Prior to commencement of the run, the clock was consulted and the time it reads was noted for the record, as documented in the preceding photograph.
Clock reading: 4:53
